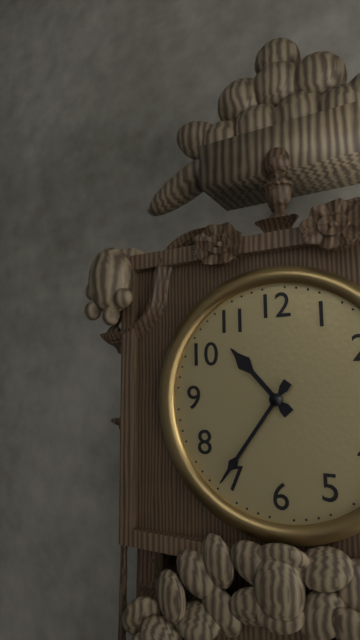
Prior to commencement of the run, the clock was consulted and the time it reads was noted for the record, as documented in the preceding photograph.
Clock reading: 10:36
